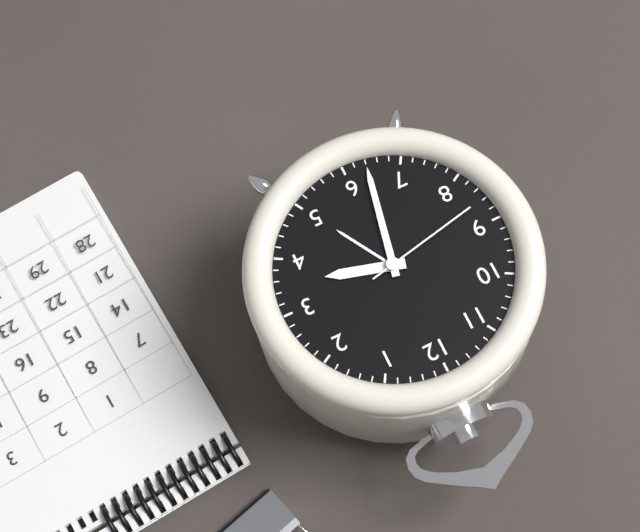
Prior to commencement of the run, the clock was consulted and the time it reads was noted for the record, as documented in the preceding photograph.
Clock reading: 3:32:43
